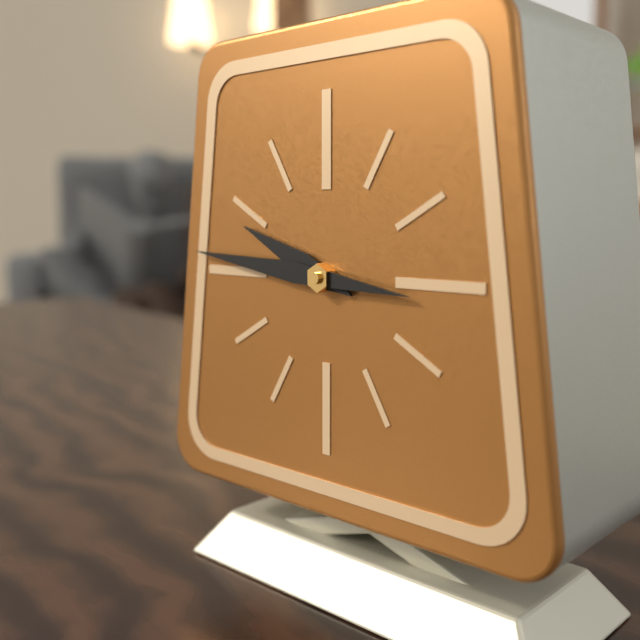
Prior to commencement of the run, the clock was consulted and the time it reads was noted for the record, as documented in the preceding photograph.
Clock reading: 9:46
